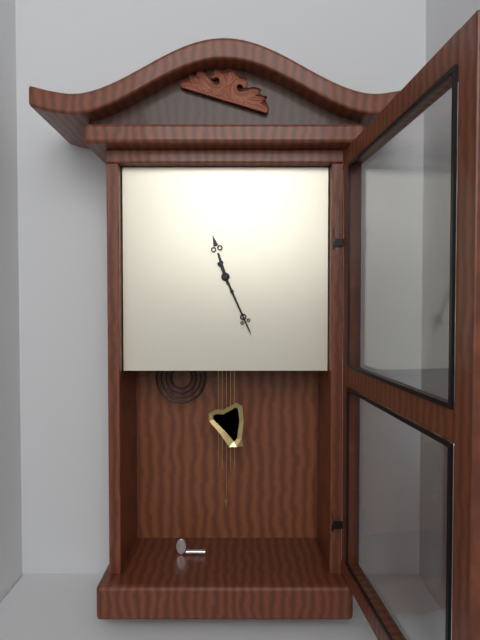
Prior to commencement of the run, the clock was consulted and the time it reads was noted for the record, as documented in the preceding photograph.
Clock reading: 11:26
